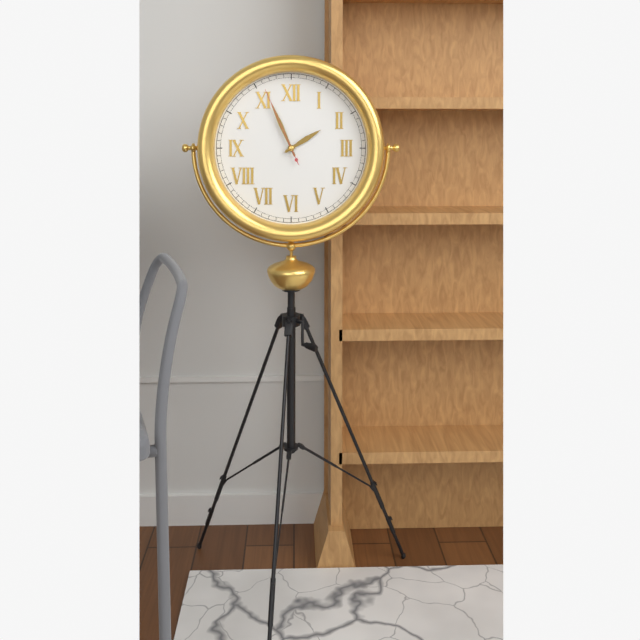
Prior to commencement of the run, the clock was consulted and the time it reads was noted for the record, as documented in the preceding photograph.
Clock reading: 1:56:56
